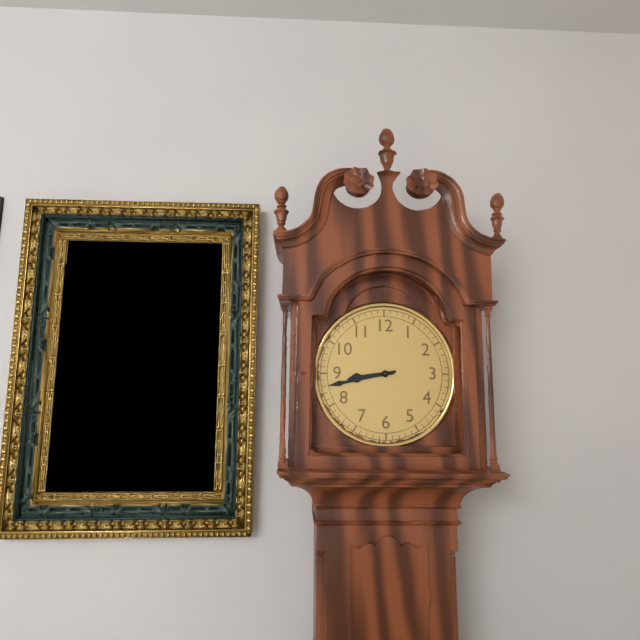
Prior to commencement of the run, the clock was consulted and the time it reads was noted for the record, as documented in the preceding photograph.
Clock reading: 8:43
